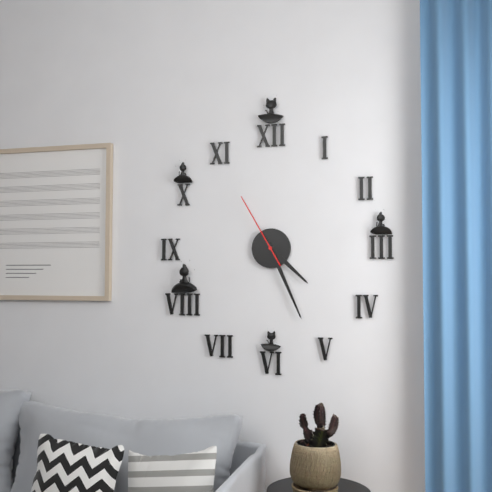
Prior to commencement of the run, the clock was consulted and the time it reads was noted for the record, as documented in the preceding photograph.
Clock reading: 4:26:55
